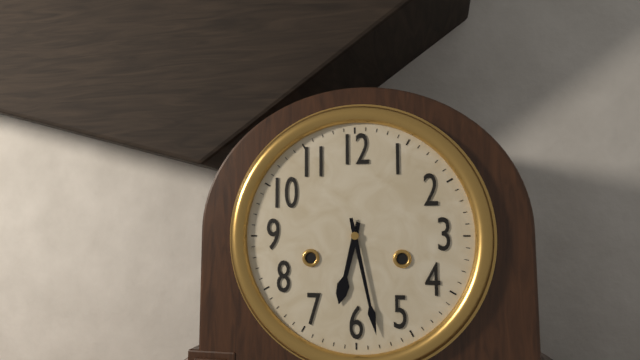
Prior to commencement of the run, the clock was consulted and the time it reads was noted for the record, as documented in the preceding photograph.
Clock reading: 6:28
